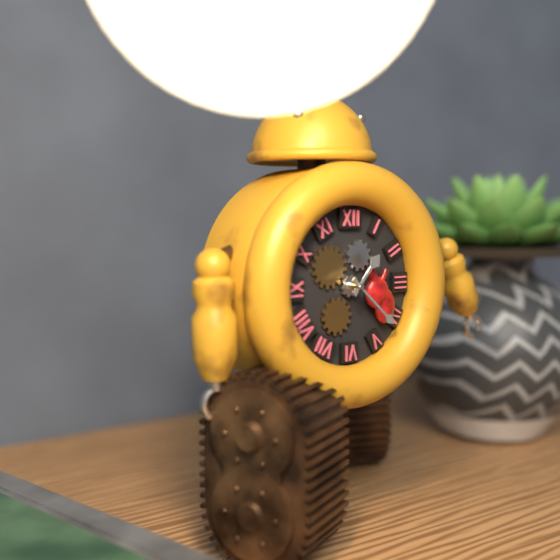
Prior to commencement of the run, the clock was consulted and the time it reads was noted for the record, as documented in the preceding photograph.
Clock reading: 1:22
